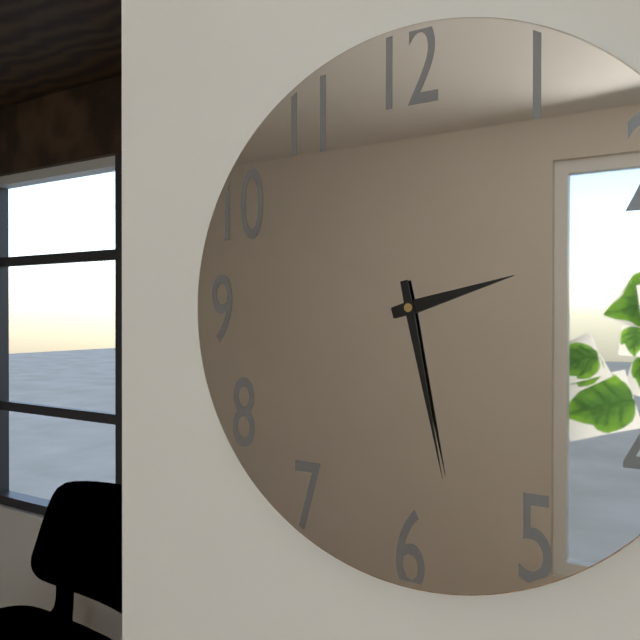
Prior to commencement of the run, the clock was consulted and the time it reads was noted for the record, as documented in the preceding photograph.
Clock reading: 2:28
